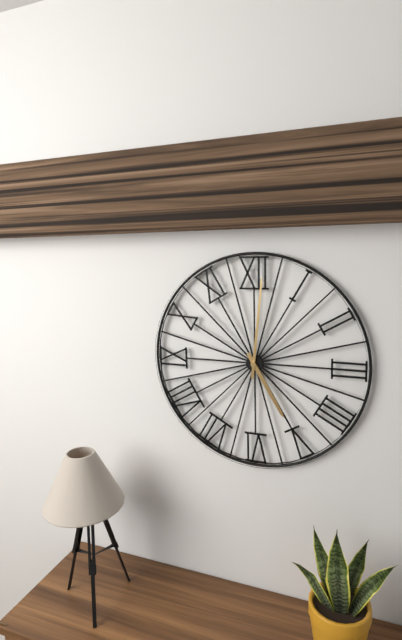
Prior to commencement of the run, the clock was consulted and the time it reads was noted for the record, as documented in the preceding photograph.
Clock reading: 5:01
